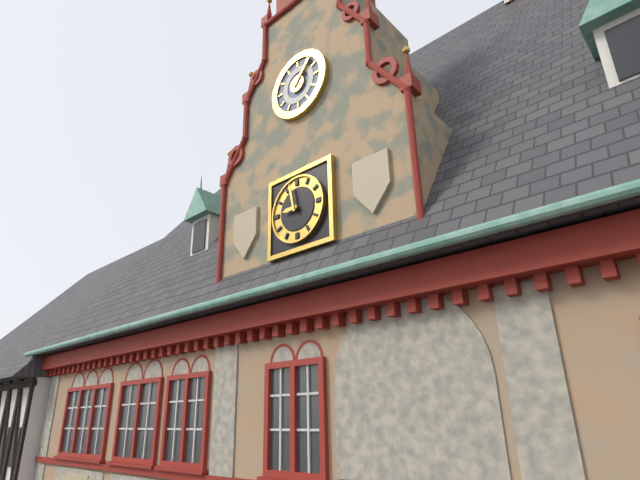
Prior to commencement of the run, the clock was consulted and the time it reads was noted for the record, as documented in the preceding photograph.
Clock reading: 8:58
